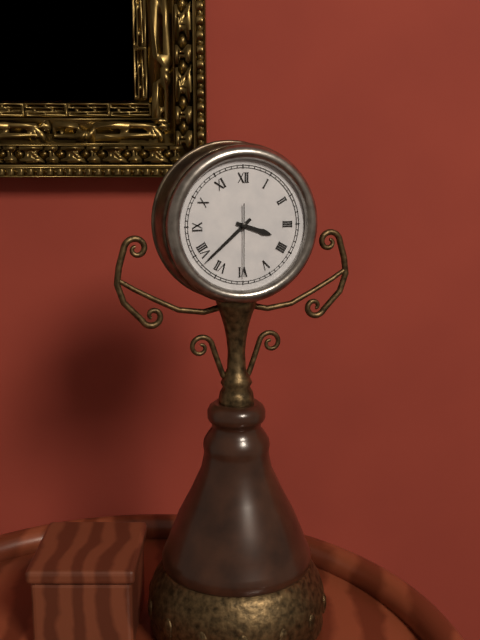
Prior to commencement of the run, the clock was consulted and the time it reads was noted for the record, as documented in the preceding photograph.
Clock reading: 3:38:30
